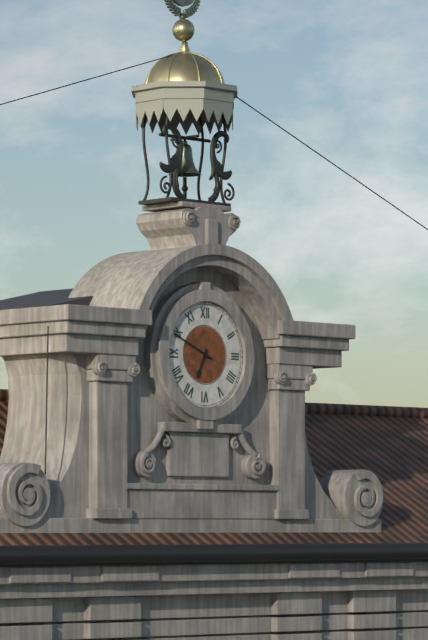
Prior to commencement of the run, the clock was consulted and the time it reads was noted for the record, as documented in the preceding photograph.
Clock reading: 6:49
